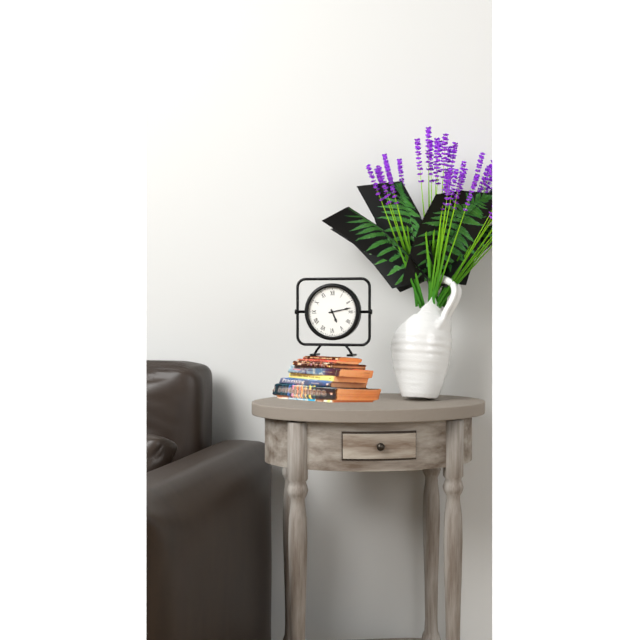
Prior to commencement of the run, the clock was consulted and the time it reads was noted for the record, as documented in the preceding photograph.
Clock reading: 5:13
